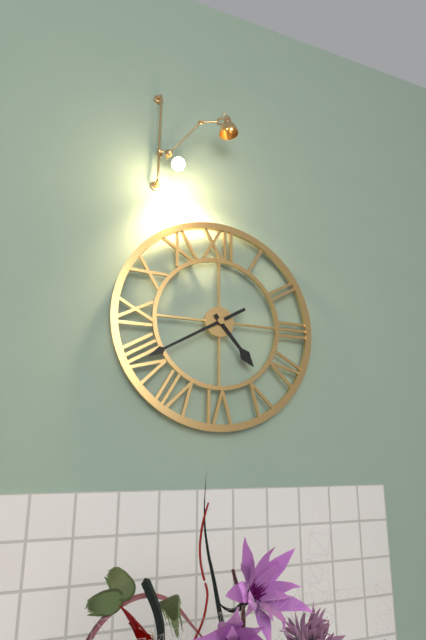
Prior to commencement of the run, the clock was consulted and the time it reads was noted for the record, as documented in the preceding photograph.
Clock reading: 4:40
